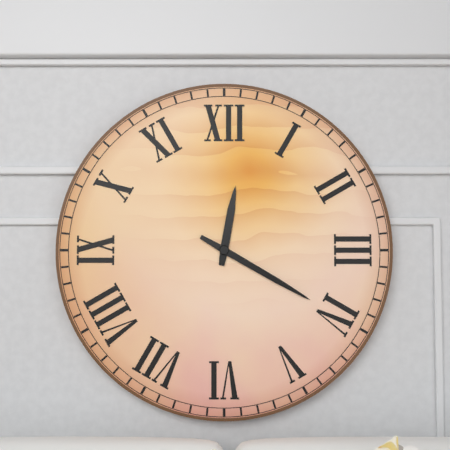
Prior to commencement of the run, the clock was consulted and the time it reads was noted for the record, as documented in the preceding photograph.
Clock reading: 12:20
